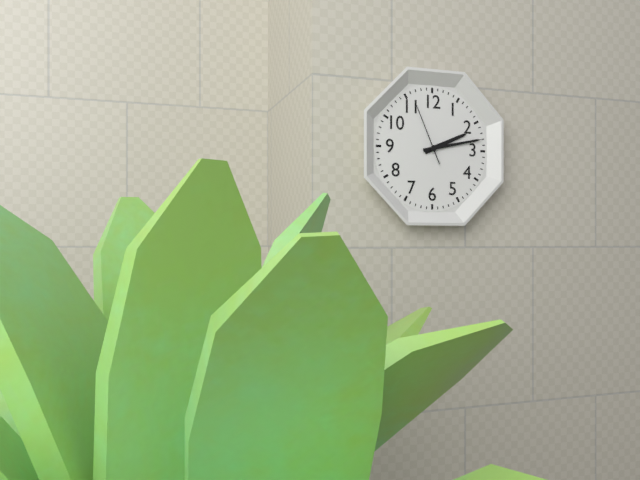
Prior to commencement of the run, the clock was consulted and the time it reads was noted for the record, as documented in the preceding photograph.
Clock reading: 2:13:56
